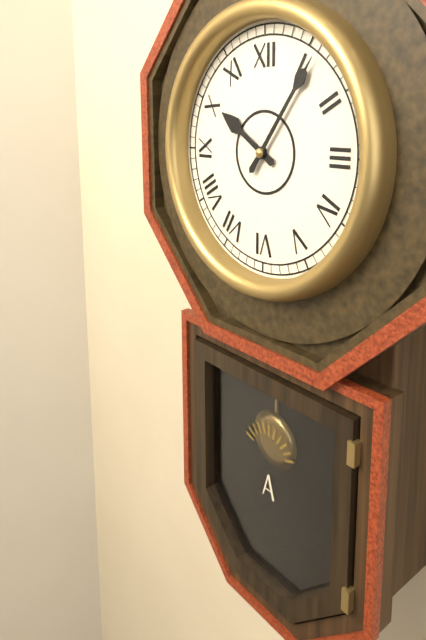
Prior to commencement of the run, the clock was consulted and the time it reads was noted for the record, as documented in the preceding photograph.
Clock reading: 10:06
